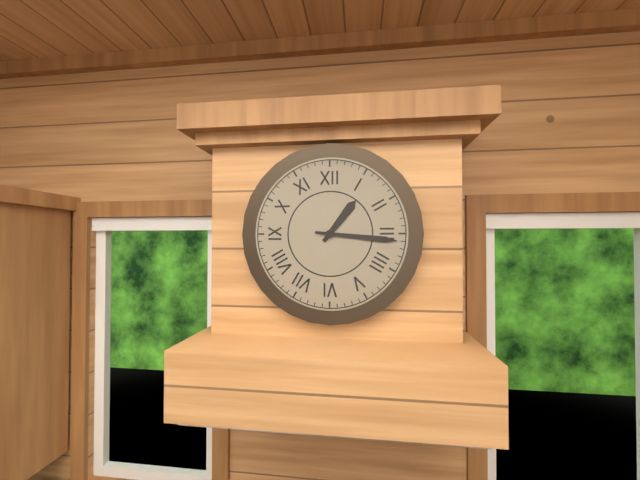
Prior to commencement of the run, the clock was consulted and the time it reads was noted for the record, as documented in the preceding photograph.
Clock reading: 1:16
